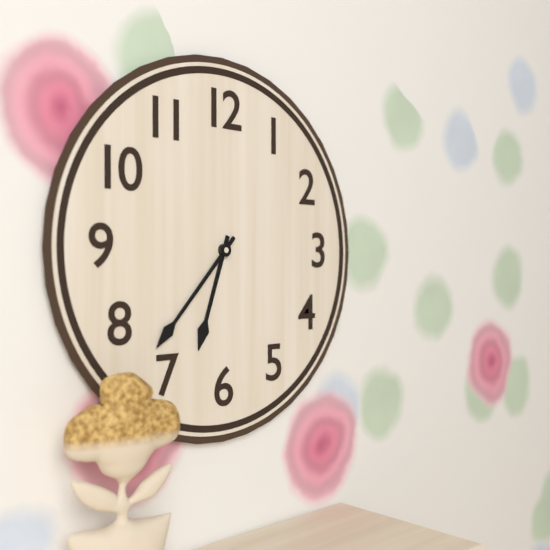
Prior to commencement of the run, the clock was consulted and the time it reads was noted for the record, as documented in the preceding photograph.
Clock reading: 6:37
